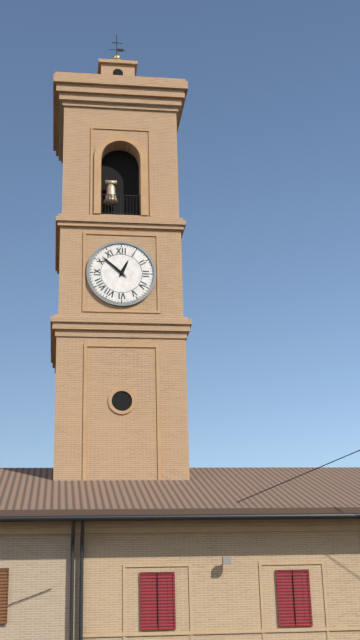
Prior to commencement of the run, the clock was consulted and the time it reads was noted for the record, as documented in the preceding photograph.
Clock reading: 12:52
